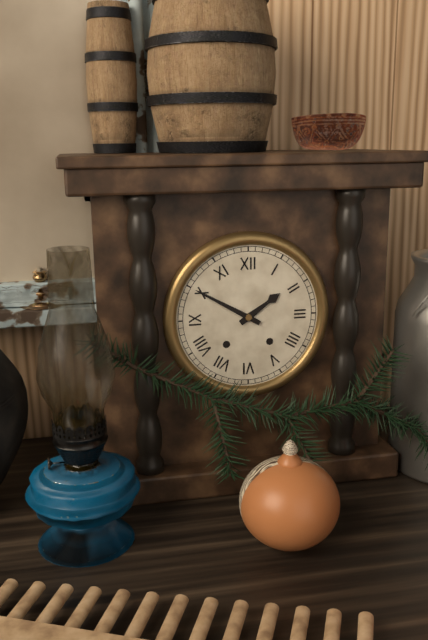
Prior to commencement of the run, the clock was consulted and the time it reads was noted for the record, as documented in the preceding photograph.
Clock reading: 1:50
